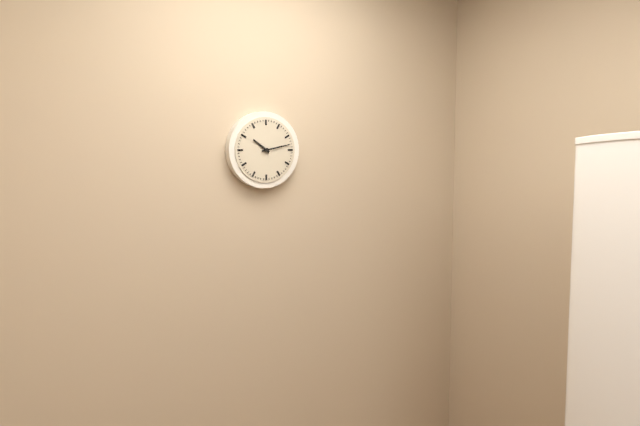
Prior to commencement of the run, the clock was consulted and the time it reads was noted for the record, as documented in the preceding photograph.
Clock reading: 10:13
